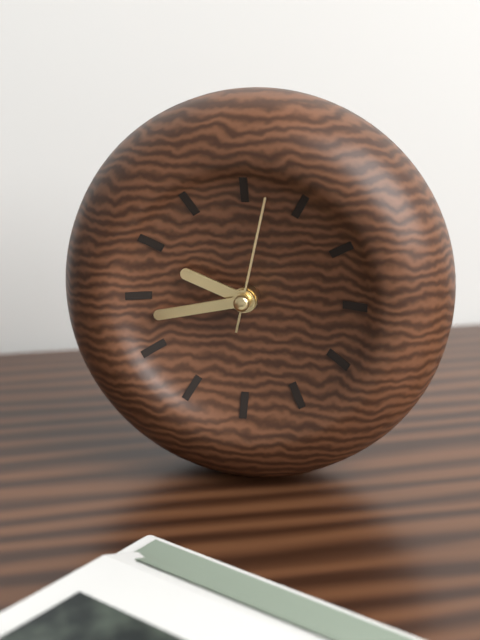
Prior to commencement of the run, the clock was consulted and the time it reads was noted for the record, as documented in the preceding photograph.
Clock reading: 9:43:02
